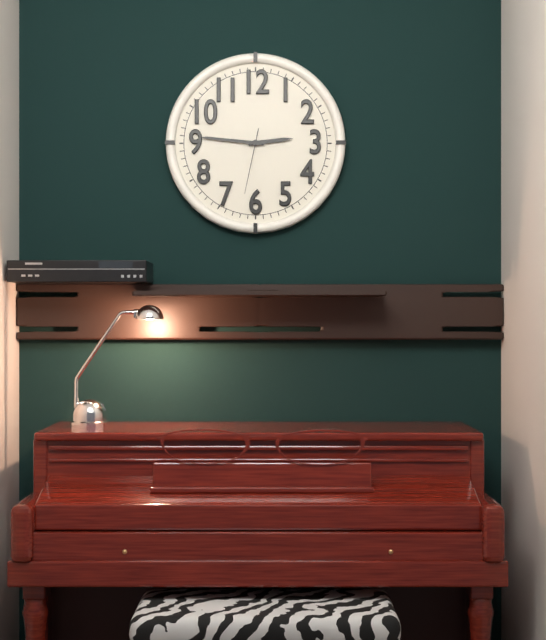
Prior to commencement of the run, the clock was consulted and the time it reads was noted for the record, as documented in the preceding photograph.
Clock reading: 2:46:32
